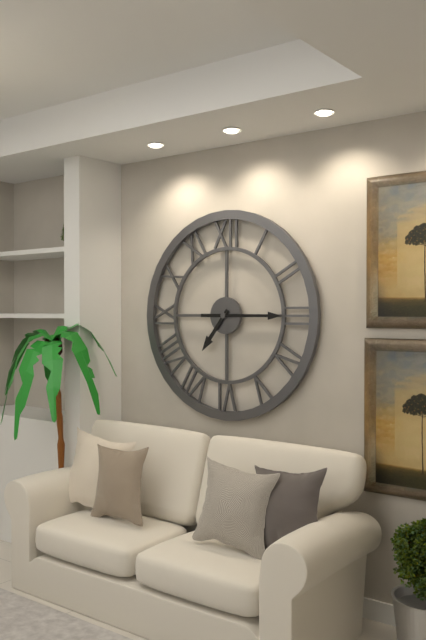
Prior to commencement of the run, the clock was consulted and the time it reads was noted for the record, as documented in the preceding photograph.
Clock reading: 7:15
